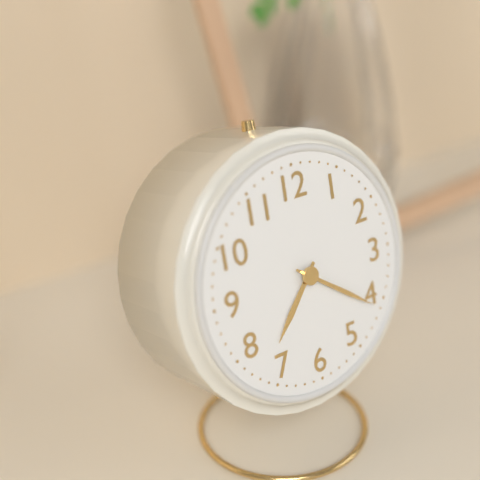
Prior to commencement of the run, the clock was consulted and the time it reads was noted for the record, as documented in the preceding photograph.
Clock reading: 7:21
